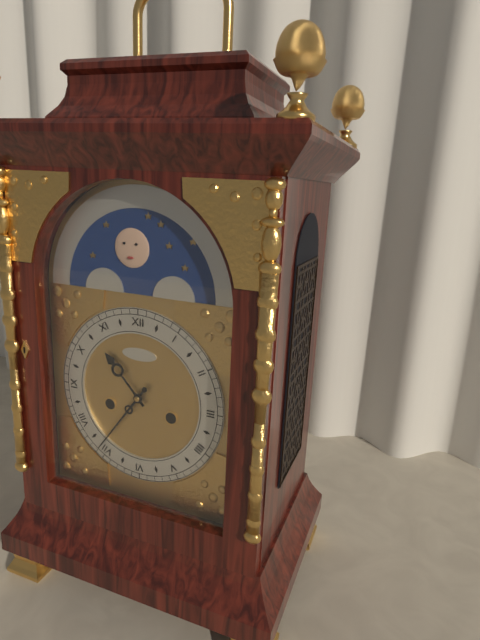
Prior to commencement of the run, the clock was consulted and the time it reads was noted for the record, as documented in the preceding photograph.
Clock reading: 10:36
